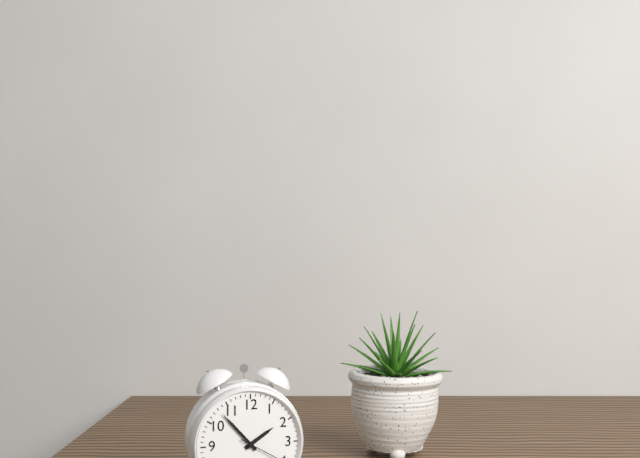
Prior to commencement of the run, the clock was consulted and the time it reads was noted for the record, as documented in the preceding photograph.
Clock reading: 1:53
